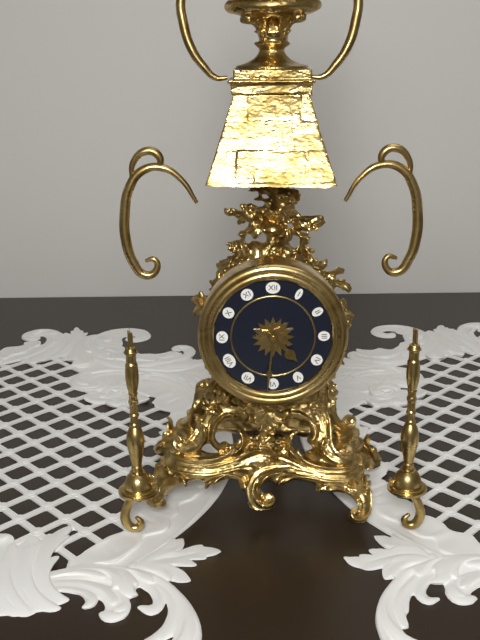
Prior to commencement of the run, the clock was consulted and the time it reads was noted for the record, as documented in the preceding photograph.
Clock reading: 4:31
